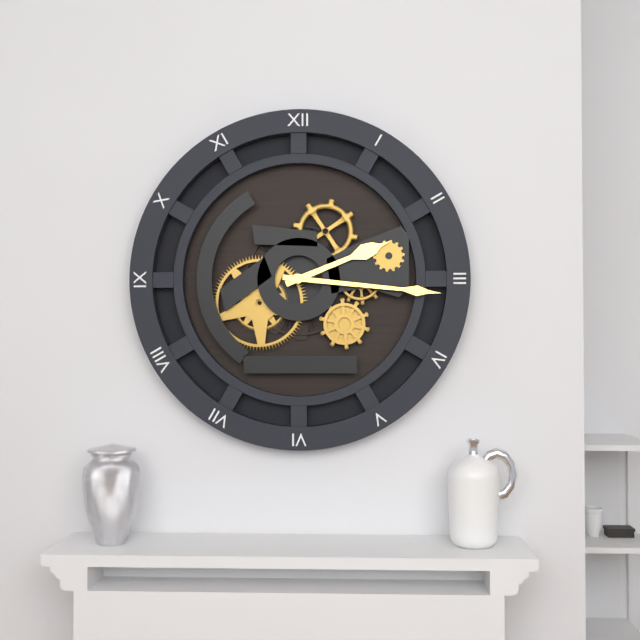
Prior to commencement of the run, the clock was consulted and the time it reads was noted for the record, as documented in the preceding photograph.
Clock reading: 2:16
